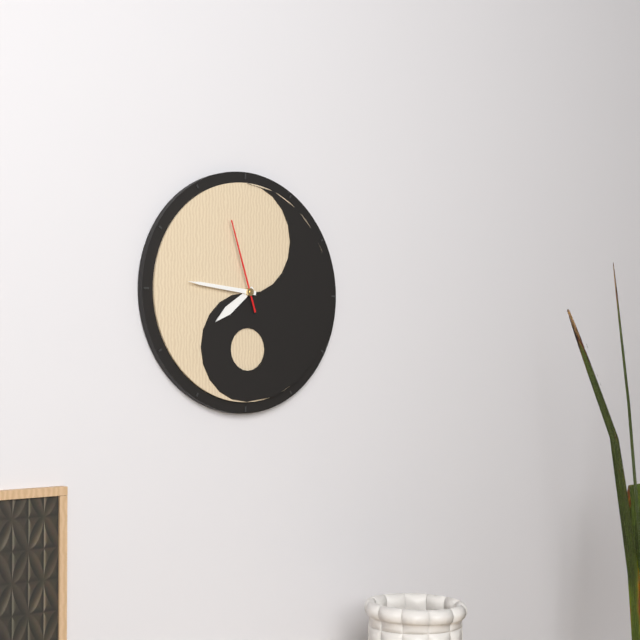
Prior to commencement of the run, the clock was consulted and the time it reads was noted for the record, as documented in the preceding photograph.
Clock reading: 7:46:57
